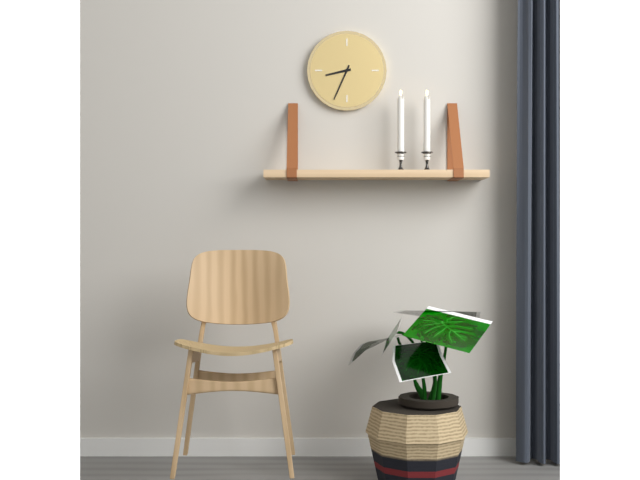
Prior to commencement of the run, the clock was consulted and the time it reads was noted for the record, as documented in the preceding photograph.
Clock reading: 8:34
